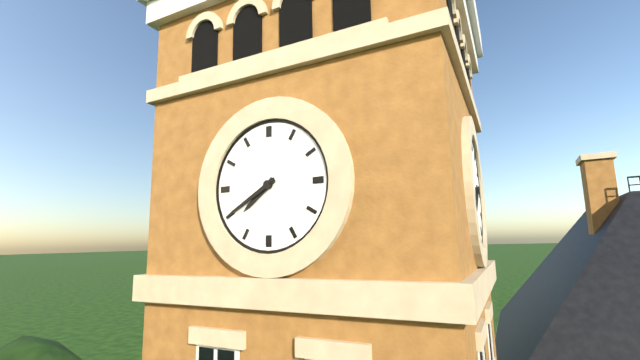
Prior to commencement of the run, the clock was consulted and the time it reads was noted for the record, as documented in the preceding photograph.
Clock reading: 7:40
